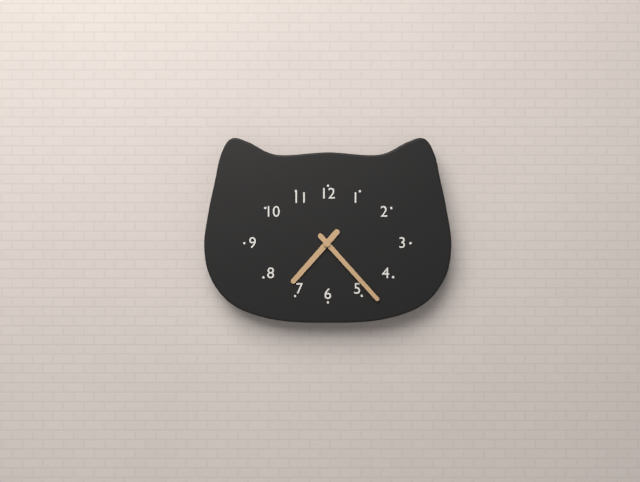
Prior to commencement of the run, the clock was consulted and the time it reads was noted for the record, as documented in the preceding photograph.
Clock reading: 7:23
